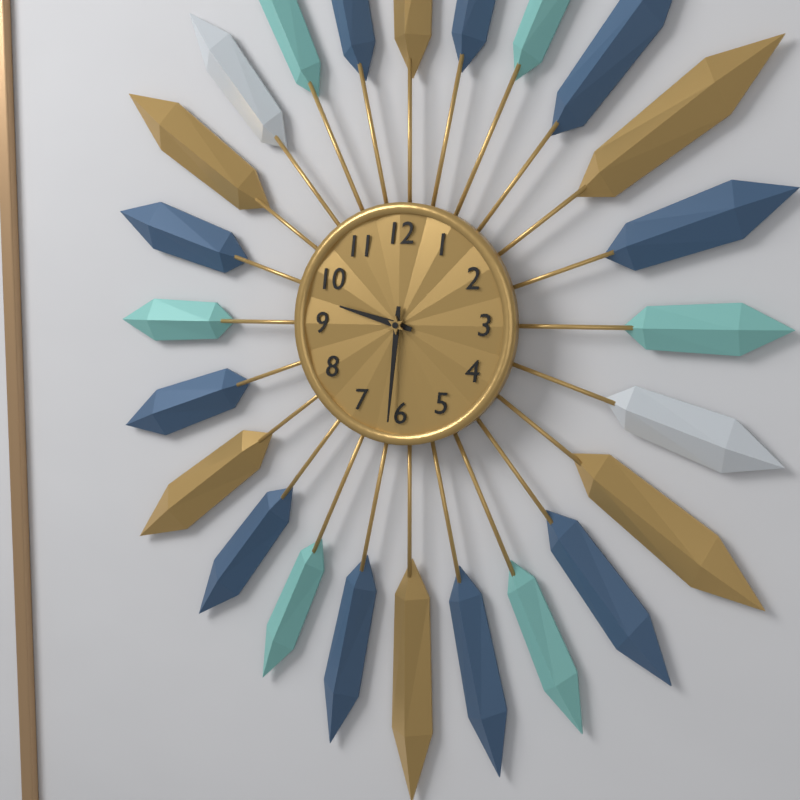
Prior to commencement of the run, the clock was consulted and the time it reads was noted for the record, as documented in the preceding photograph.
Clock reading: 9:31
